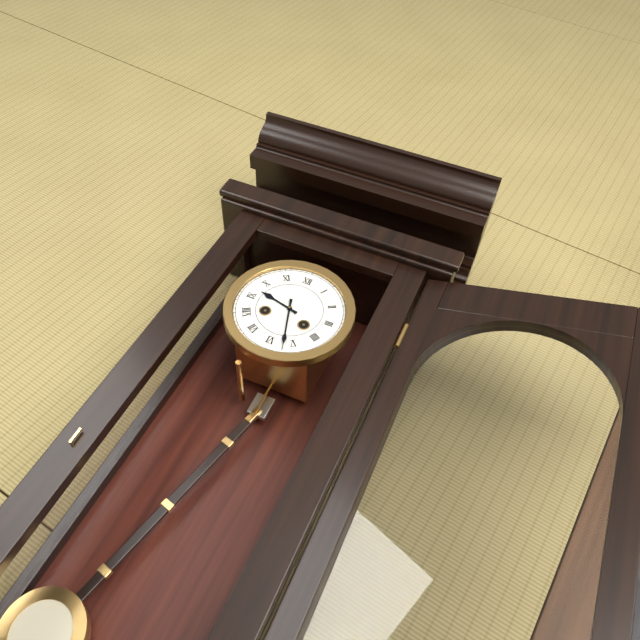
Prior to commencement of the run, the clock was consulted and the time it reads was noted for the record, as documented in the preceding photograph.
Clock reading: 9:27
